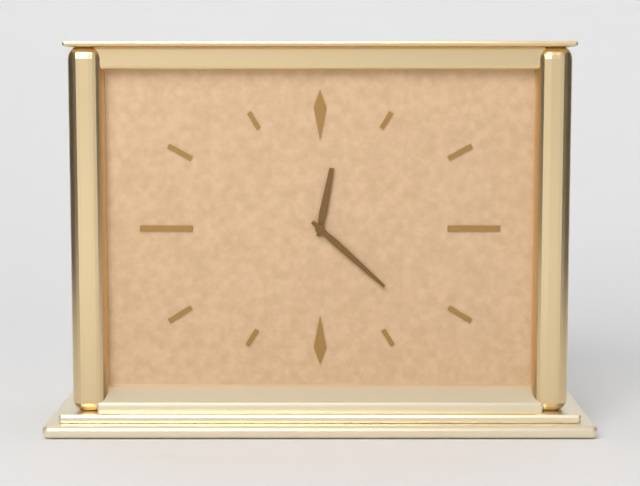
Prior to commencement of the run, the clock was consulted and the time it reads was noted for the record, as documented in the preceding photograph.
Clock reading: 12:22
